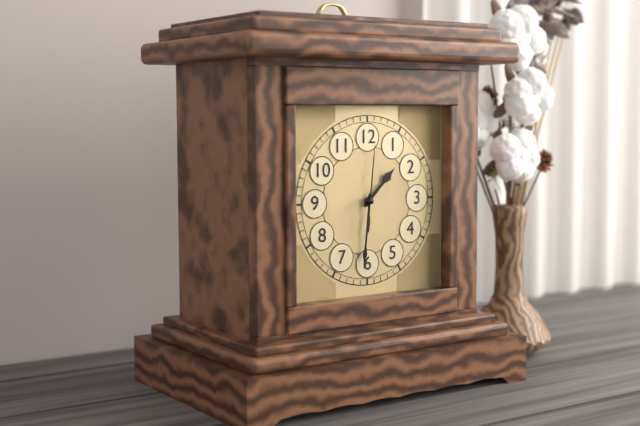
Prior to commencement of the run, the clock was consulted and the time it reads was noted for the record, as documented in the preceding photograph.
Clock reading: 1:31:01
